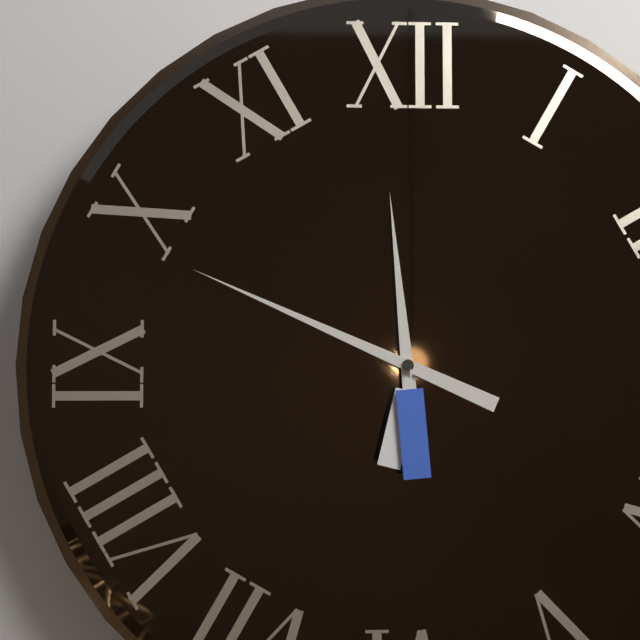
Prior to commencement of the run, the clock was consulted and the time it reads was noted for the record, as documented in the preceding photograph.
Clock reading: 11:49
